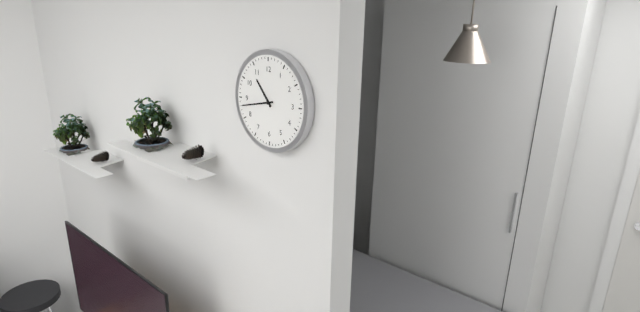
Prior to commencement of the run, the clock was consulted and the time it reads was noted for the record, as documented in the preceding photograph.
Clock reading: 10:43
